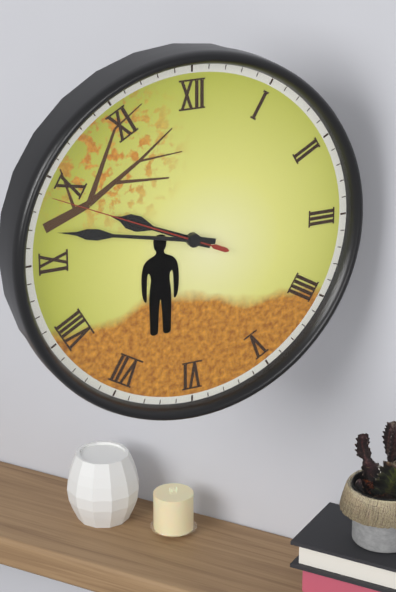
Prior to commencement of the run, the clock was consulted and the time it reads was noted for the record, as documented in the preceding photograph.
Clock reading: 9:47:49
